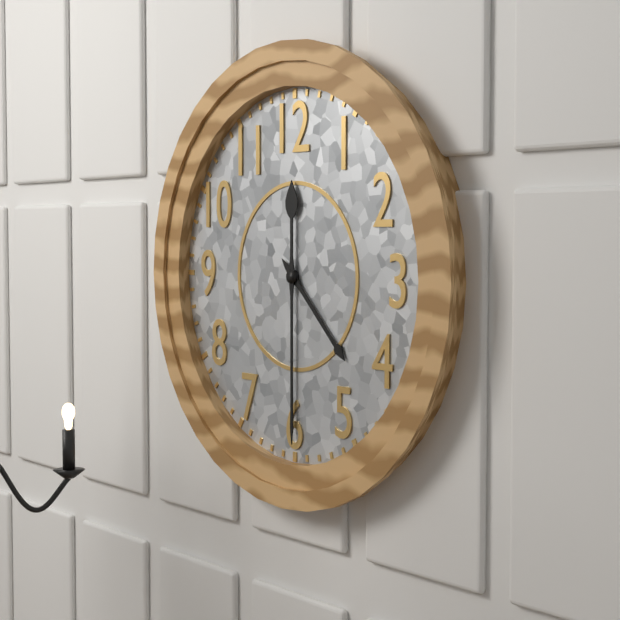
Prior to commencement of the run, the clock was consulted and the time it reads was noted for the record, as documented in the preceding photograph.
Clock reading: 4:30
